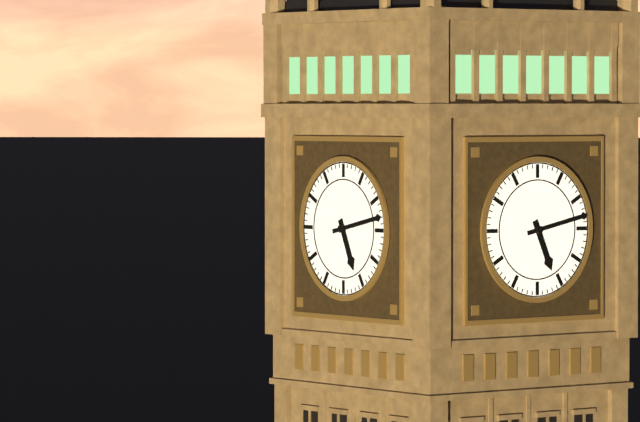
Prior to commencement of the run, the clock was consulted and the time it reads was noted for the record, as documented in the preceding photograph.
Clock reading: 5:13
